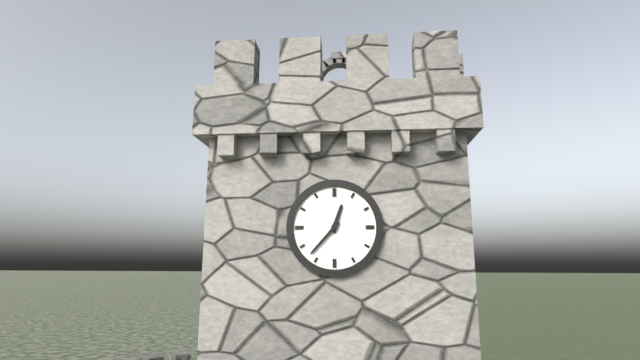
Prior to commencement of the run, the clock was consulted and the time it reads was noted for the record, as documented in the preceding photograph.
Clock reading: 12:37
